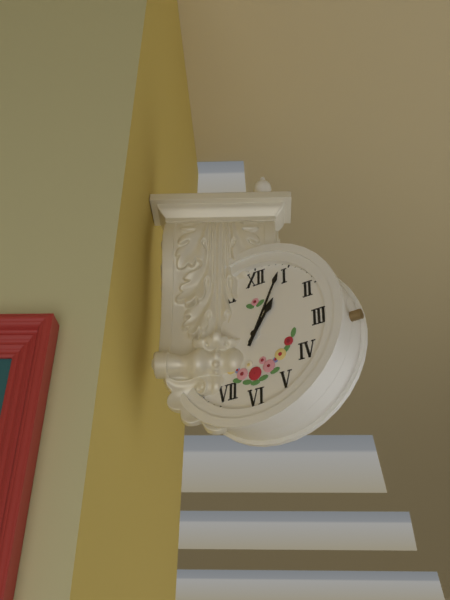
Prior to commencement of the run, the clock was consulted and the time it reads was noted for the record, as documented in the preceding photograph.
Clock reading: 1:04
